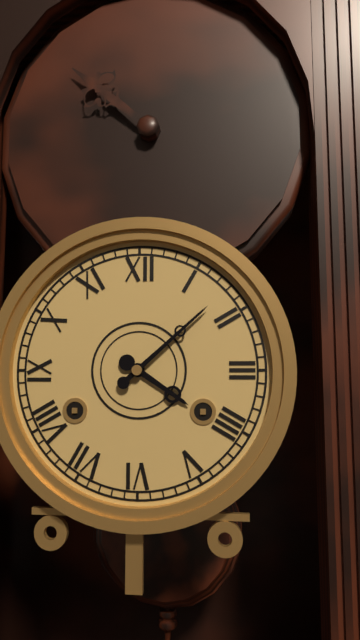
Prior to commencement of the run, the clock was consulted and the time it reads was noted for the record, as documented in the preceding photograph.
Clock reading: 4:08
